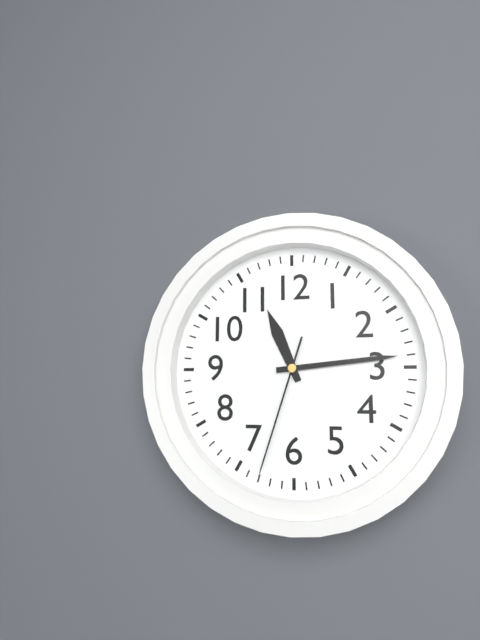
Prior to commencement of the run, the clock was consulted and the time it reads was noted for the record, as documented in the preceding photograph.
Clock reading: 11:14:33
